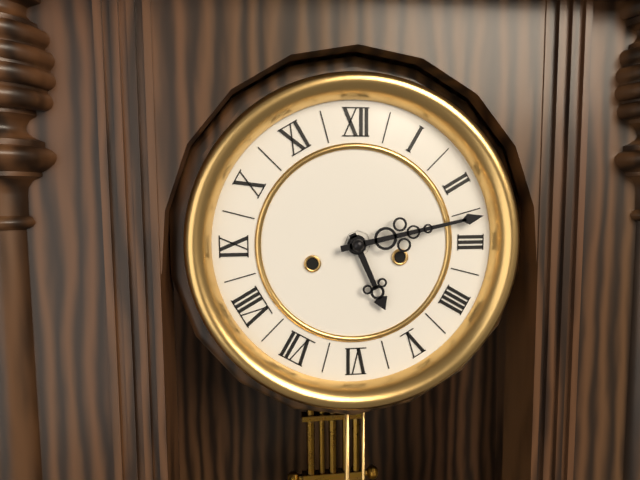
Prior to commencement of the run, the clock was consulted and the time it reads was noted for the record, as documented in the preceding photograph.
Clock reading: 5:13
